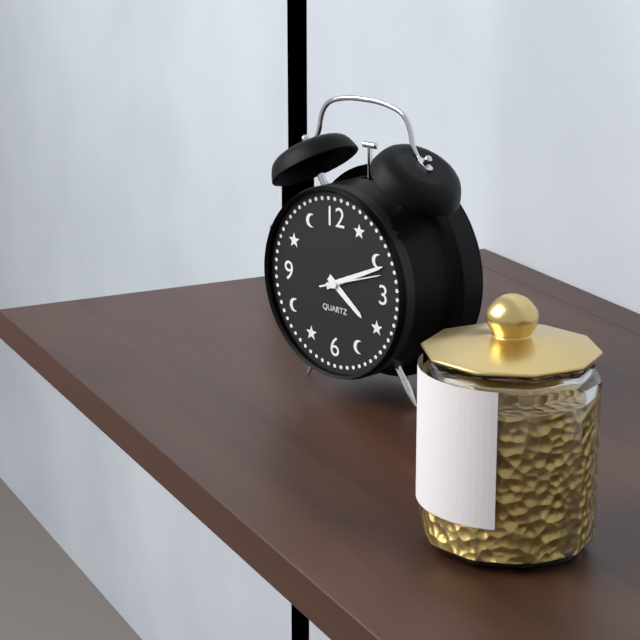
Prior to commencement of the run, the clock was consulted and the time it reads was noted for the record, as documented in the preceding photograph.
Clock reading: 4:11:12
